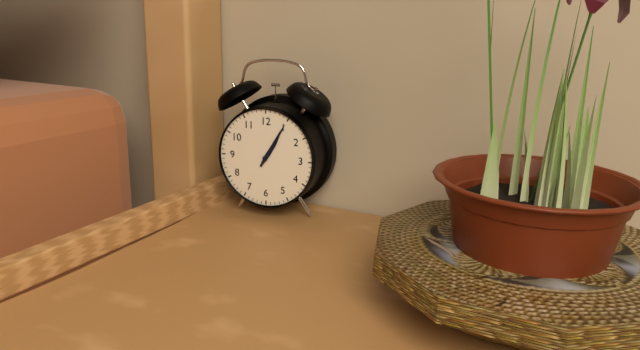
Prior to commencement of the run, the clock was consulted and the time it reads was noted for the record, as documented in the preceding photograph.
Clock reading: 1:05
